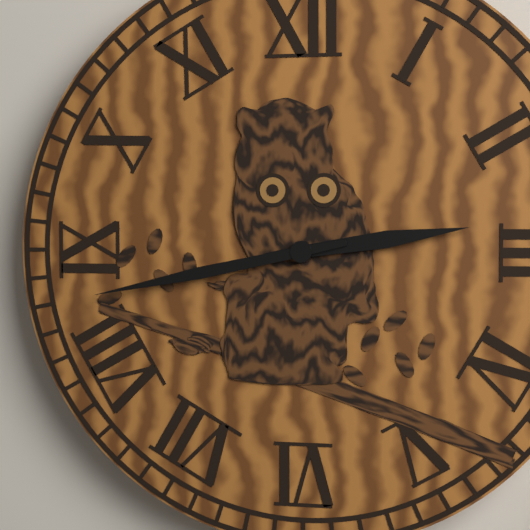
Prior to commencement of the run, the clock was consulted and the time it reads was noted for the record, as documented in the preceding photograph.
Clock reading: 2:43
